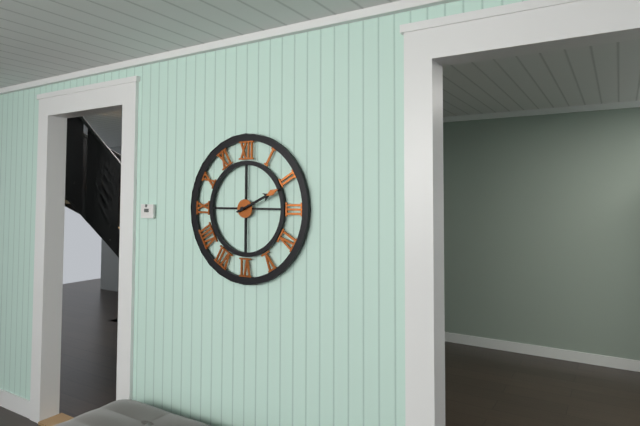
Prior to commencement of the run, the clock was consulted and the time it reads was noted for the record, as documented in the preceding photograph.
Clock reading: 2:11
